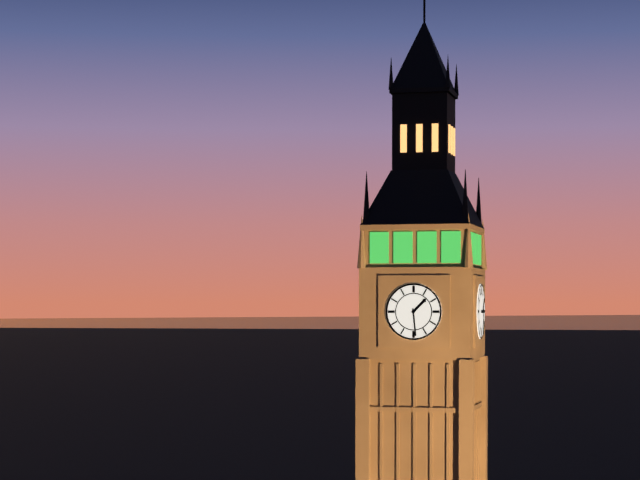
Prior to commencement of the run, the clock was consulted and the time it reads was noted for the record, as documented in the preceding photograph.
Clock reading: 1:29
